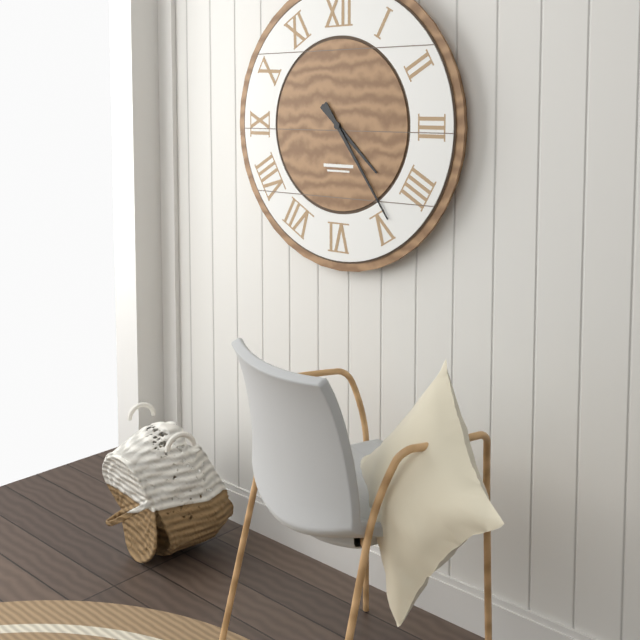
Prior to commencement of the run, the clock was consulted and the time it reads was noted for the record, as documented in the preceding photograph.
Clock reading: 4:24
